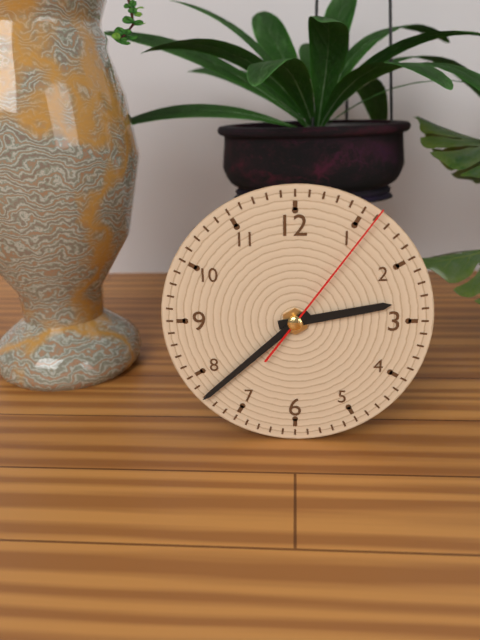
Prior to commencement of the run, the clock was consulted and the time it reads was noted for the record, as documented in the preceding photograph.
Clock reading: 2:38:06
